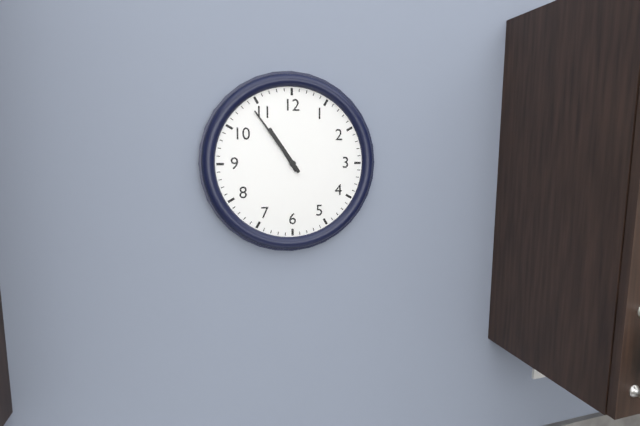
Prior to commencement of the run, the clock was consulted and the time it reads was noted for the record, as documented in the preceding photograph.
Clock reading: 10:54
